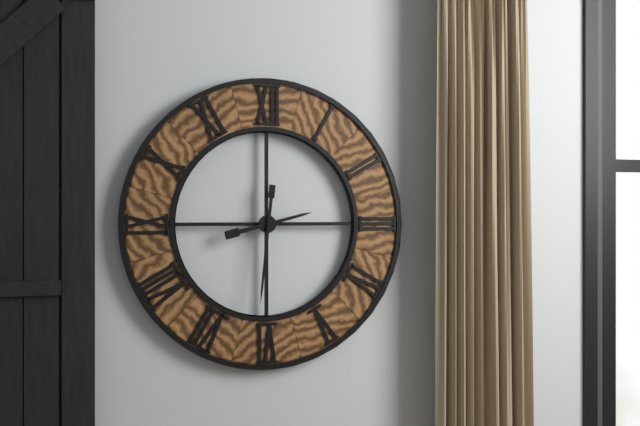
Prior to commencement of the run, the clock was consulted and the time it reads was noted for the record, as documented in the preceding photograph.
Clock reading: 2:31
